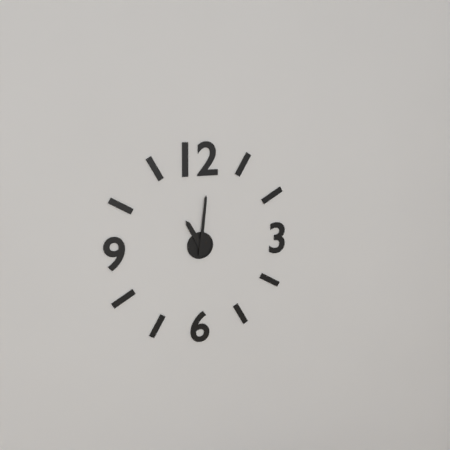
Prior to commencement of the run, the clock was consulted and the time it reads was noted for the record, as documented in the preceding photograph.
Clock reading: 11:01
